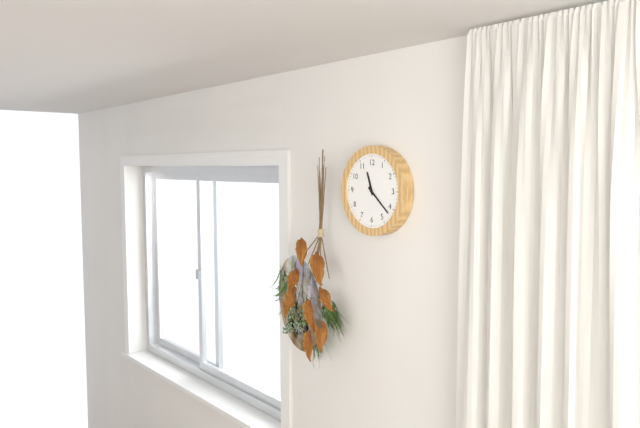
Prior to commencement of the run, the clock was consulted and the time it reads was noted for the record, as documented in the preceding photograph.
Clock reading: 11:22
